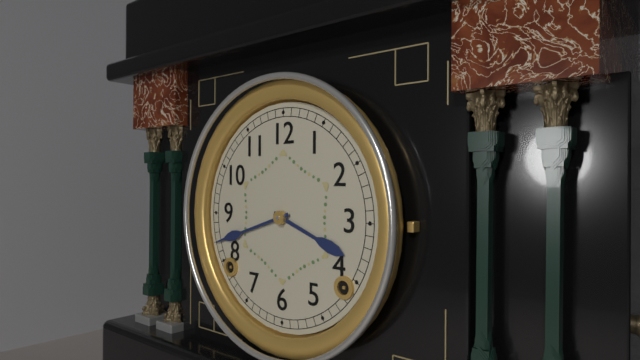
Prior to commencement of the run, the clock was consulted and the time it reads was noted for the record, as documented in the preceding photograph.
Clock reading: 3:42
